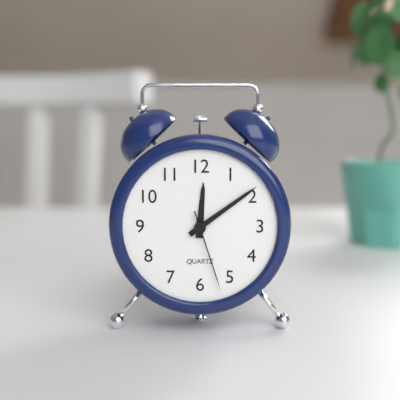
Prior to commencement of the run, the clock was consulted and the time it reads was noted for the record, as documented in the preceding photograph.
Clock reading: 12:09:27
